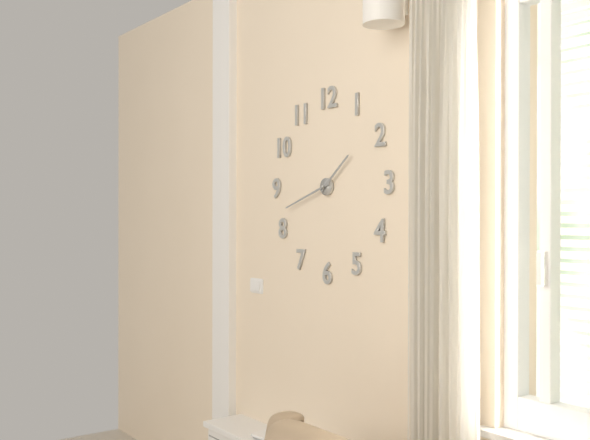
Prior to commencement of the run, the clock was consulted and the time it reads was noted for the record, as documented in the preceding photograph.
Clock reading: 1:42
